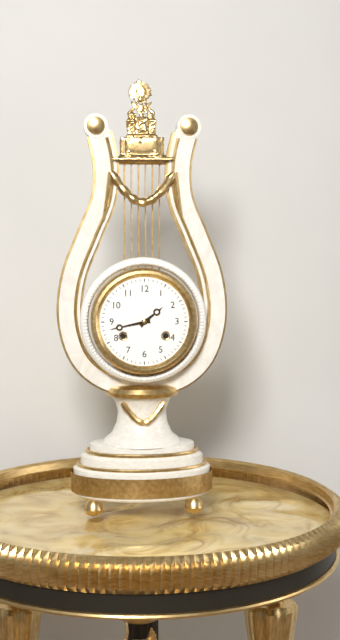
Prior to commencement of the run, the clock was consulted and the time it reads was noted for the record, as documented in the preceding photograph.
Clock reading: 1:43
